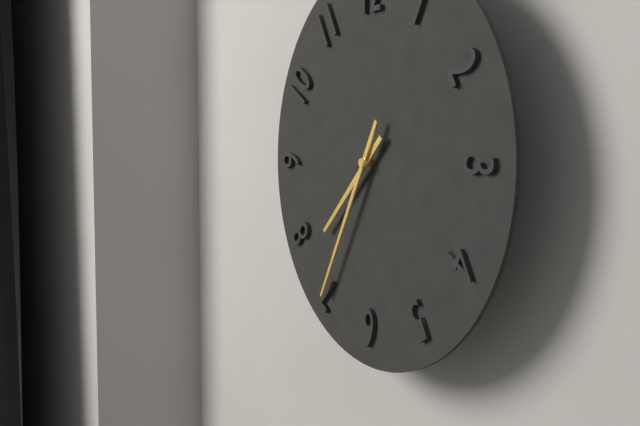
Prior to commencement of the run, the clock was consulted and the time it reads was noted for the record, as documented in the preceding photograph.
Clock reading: 7:35
